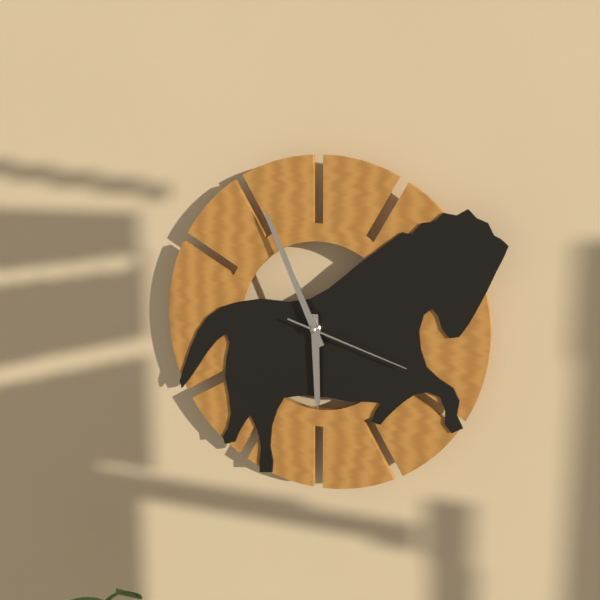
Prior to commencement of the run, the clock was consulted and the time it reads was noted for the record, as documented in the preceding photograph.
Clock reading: 5:56:18
